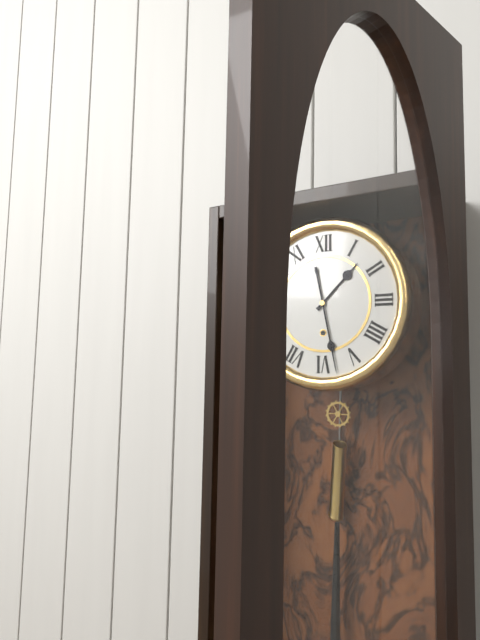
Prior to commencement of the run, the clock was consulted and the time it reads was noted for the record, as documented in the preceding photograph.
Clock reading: 1:28
